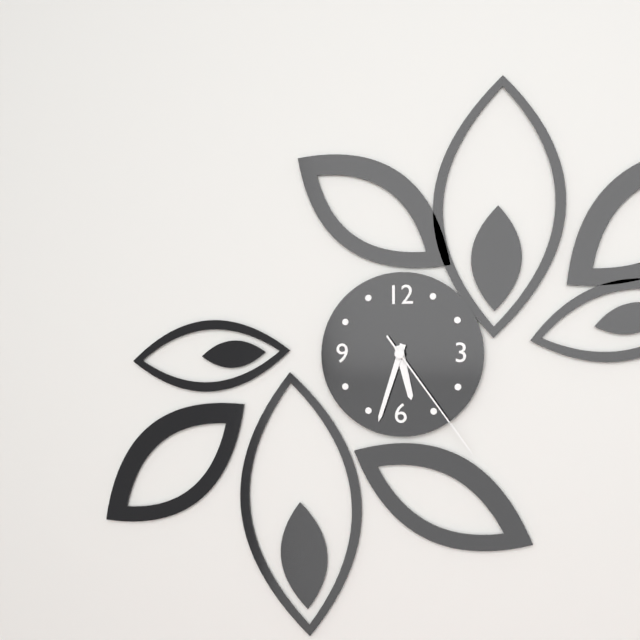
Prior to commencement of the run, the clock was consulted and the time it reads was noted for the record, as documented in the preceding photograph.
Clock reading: 5:33:24
